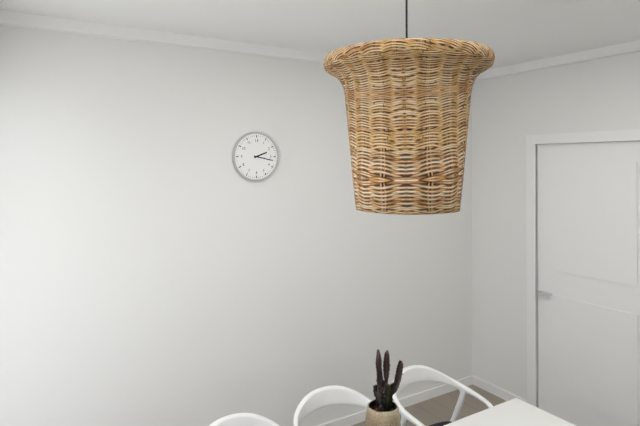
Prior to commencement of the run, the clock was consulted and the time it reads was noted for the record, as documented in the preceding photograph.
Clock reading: 2:17
